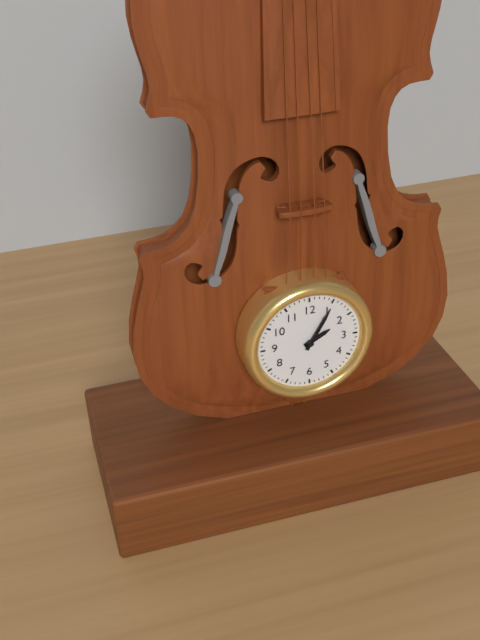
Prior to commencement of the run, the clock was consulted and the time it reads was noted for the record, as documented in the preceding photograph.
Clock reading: 2:05
